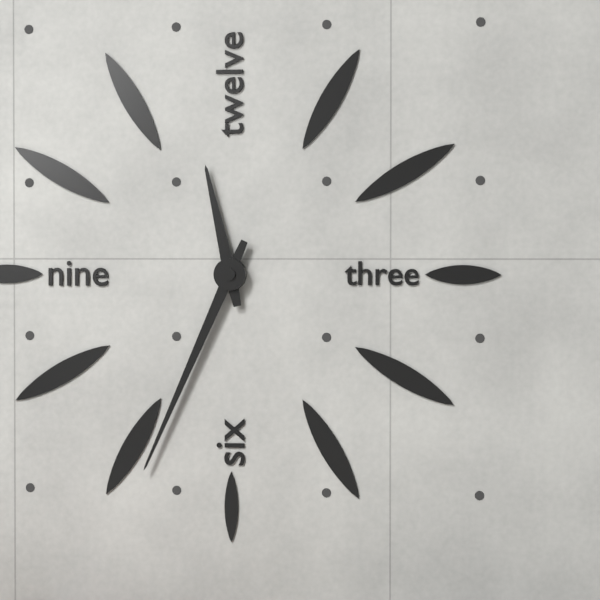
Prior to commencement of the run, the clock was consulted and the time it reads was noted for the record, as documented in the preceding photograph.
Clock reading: 11:34
